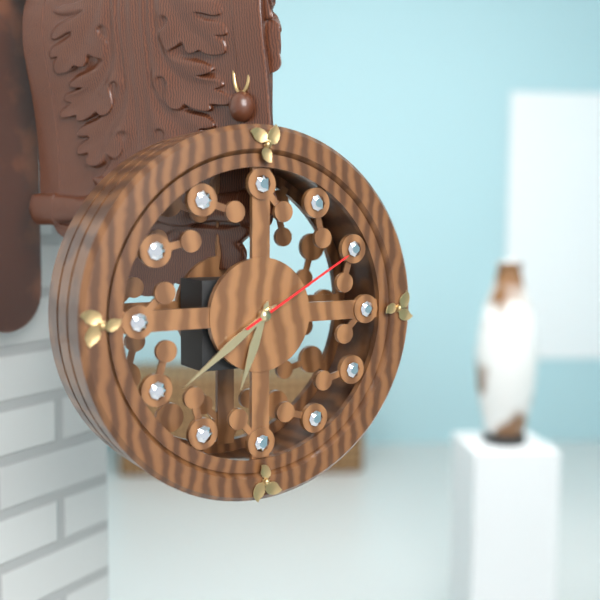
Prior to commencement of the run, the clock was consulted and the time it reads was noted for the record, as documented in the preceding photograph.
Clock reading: 6:39:10
